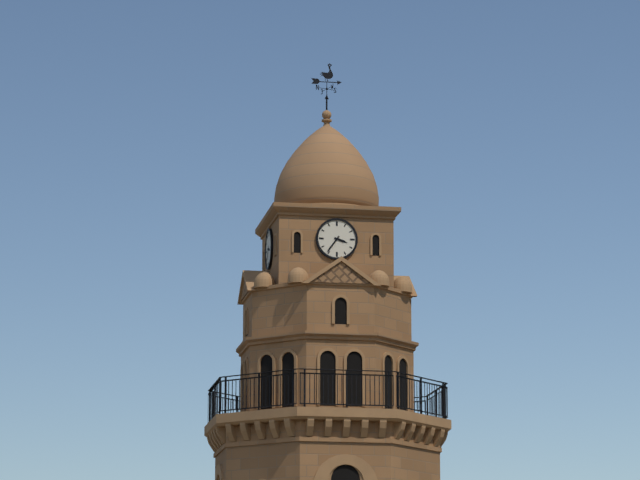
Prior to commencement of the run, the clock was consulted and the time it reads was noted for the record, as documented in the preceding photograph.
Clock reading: 3:36
